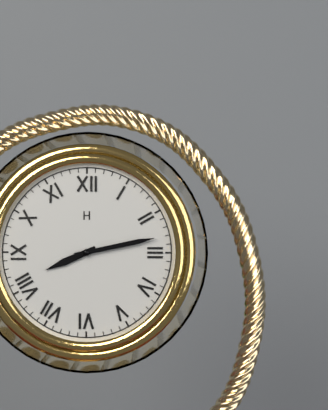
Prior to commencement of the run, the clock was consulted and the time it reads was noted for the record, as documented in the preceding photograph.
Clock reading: 8:13
